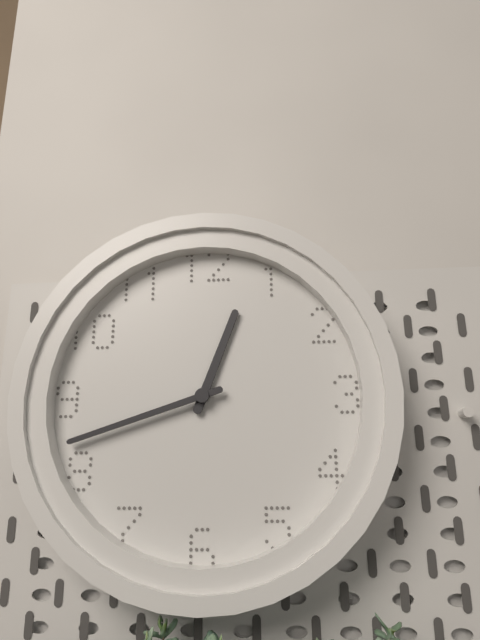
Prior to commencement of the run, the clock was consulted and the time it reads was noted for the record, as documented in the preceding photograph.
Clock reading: 12:42
